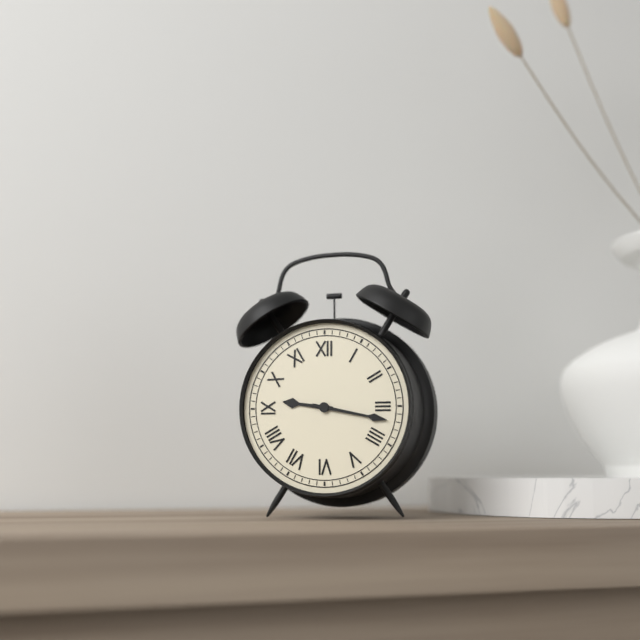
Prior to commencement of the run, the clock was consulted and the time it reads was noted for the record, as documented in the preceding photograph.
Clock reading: 9:17
